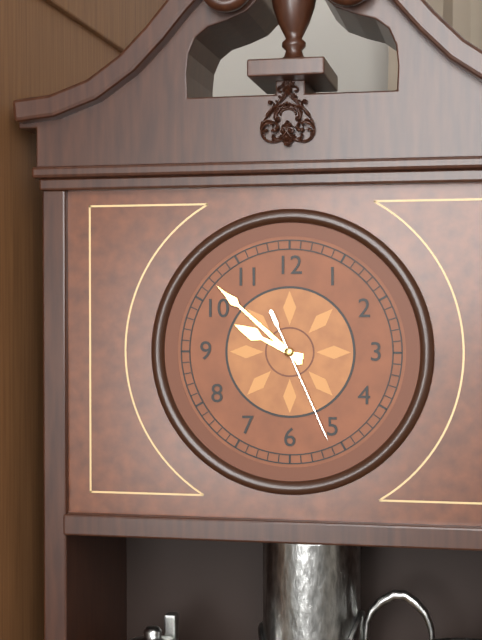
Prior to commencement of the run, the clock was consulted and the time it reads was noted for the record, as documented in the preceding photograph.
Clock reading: 9:52:26
